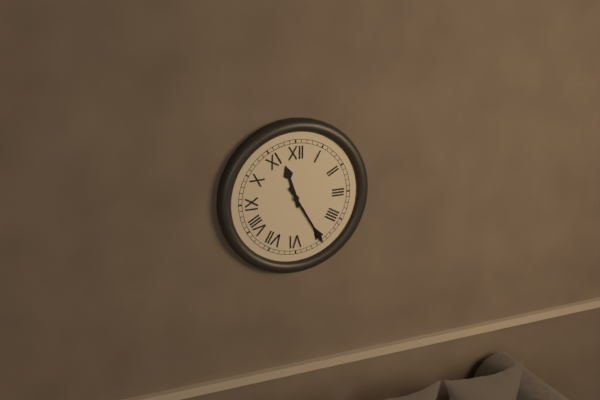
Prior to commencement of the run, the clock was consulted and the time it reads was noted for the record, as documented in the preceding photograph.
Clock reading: 11:25
